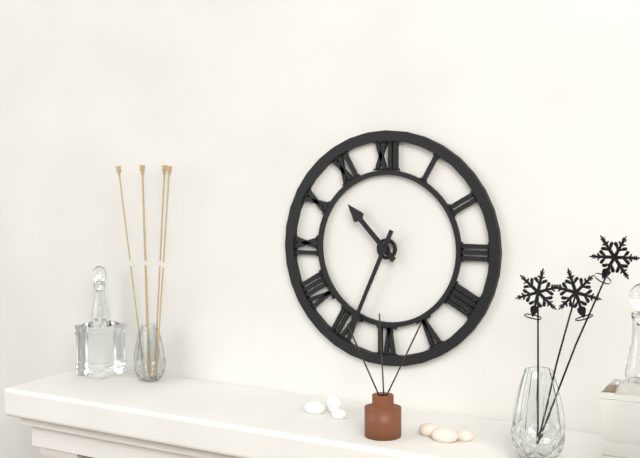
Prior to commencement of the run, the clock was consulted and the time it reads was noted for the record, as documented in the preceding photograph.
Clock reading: 10:34
